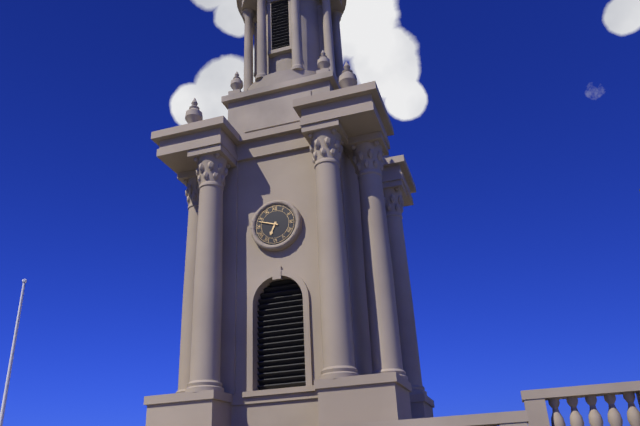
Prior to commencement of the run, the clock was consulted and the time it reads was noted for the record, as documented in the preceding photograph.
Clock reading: 6:48
